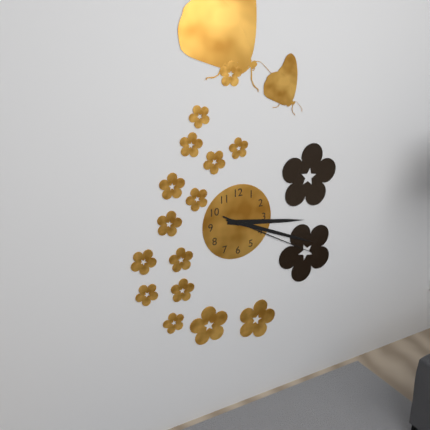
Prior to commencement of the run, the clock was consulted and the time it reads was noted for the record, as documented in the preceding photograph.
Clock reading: 3:19:20
